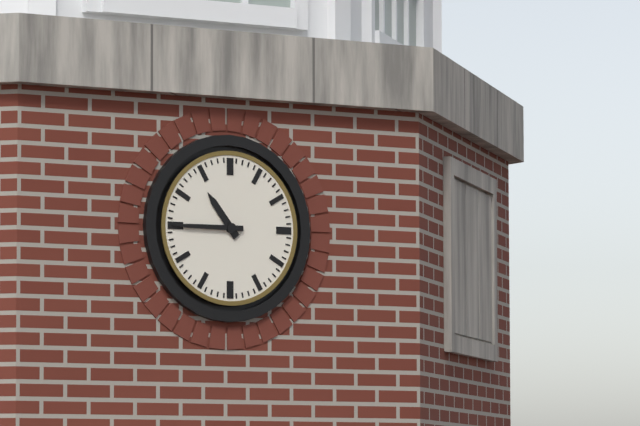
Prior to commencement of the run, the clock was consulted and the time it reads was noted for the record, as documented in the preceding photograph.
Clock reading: 10:45
